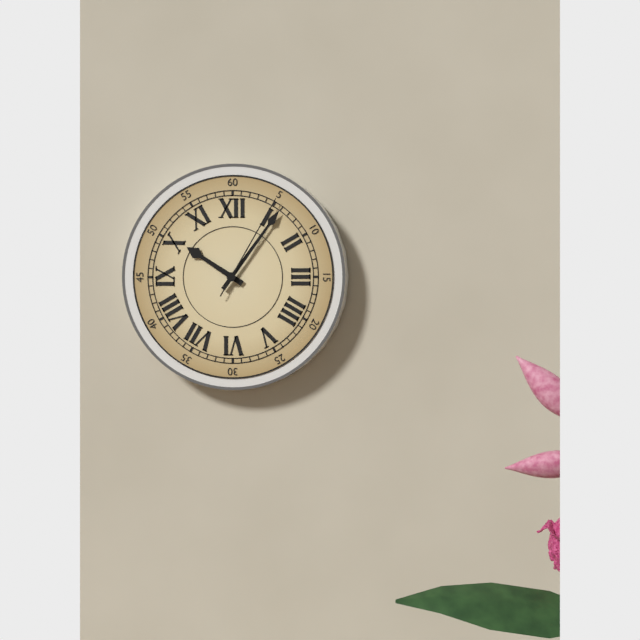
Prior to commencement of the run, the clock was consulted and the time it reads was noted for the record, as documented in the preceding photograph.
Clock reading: 10:06:05
